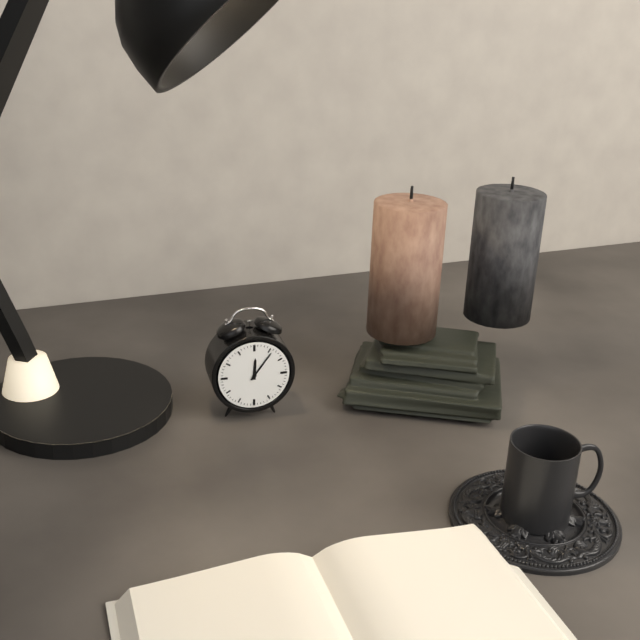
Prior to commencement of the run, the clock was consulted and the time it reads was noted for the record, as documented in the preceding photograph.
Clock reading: 12:06
